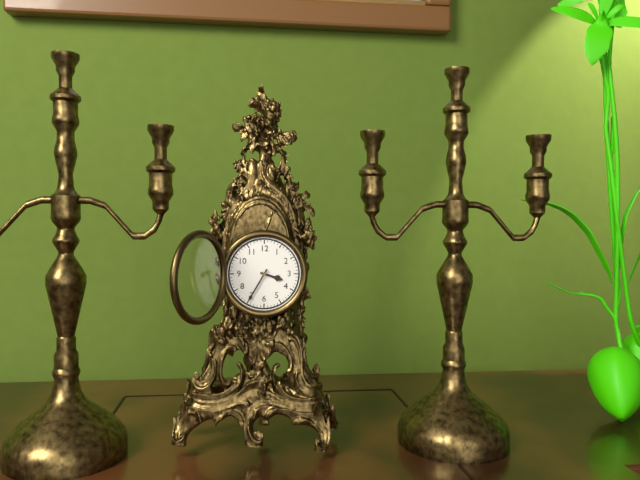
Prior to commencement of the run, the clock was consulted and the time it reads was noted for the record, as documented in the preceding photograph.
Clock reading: 3:35
